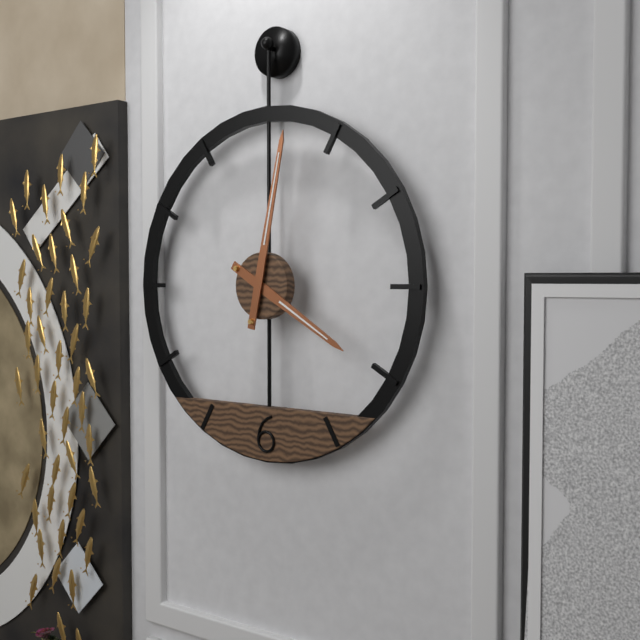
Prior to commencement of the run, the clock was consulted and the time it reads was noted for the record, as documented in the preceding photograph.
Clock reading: 4:02
